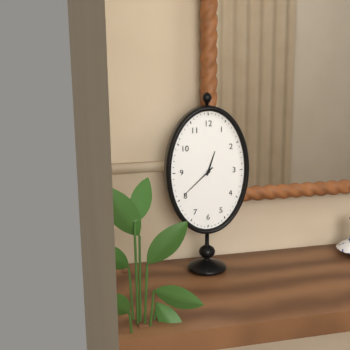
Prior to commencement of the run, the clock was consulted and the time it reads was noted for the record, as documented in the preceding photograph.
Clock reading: 12:38
